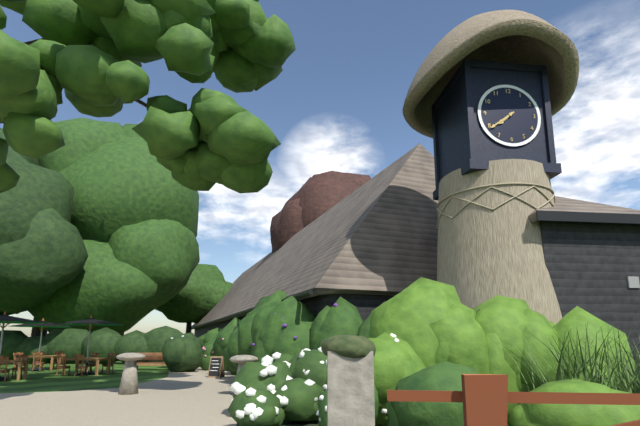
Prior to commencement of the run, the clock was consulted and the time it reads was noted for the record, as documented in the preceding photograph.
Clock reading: 7:39
